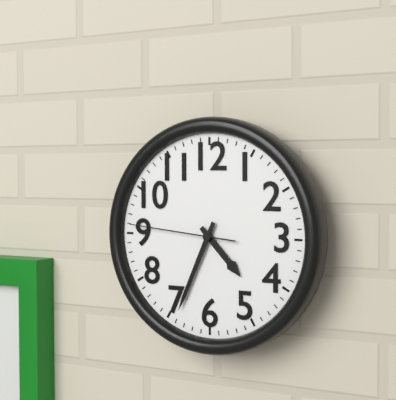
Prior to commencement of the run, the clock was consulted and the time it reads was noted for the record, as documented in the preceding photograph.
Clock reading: 4:34:46
